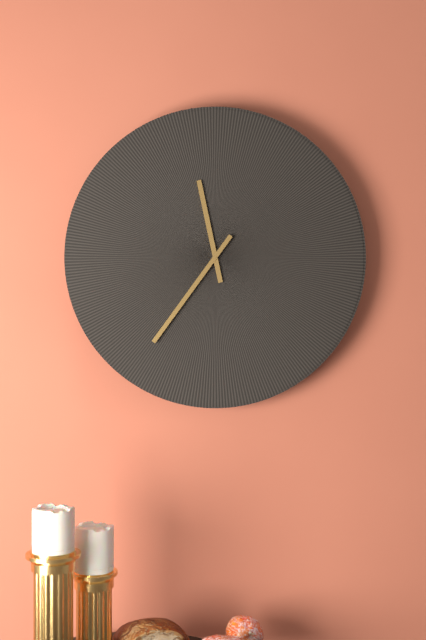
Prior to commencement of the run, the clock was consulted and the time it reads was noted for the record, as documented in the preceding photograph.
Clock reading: 11:36
